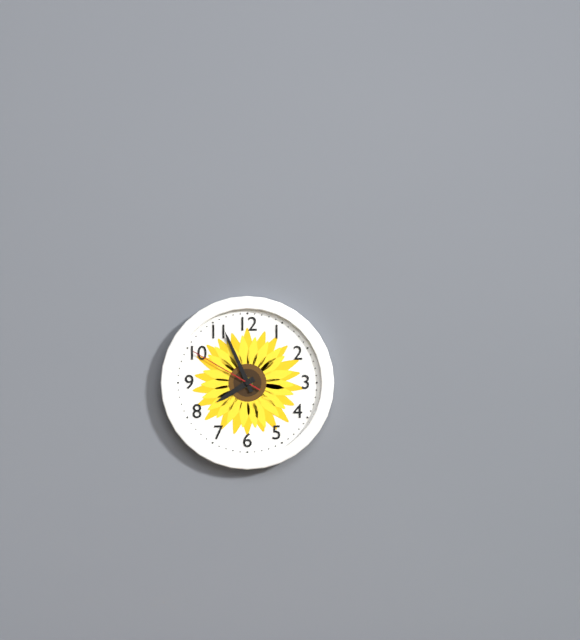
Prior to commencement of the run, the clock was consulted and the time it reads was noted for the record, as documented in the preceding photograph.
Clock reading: 7:56:50
